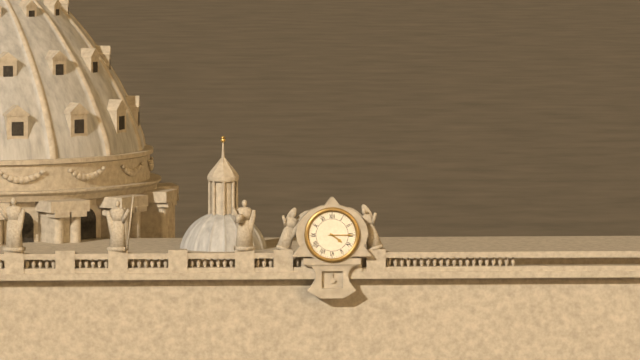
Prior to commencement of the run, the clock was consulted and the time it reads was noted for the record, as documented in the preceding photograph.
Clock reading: 4:15
